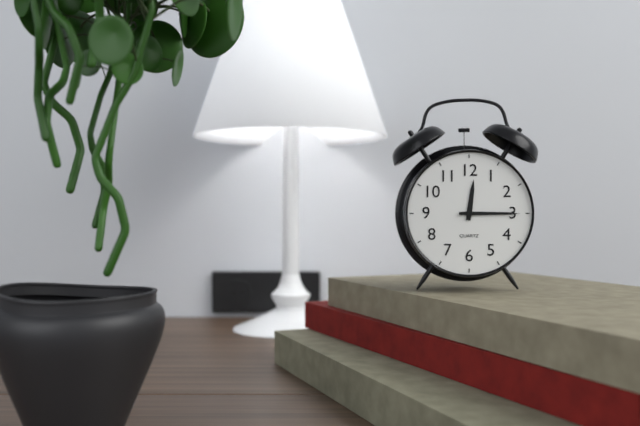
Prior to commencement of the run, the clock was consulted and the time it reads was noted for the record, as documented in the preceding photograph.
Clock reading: 12:15
